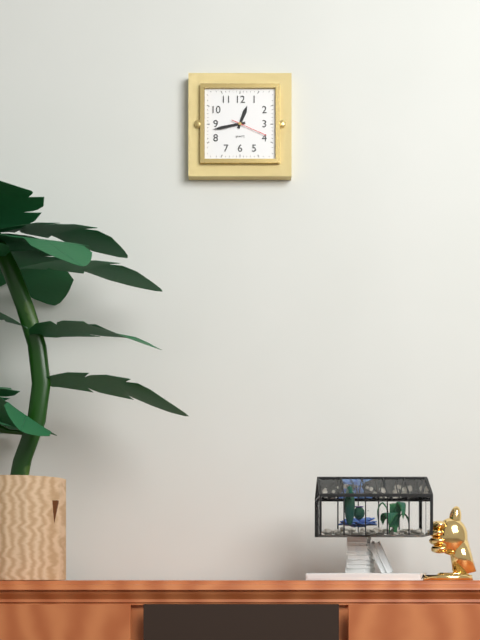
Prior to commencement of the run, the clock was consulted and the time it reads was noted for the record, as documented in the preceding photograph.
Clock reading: 12:43
